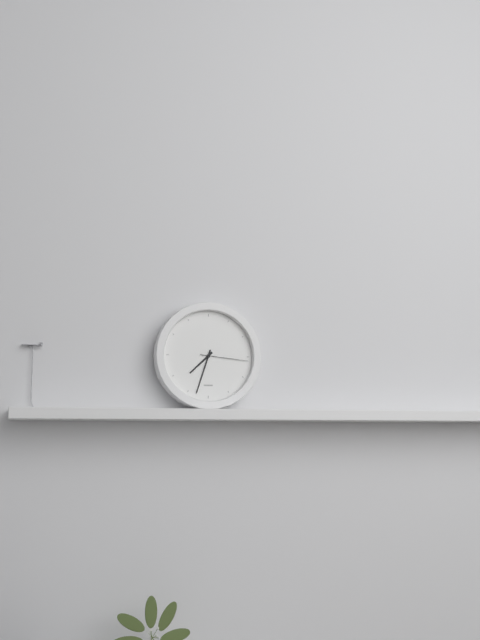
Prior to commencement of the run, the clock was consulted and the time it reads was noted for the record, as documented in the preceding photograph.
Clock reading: 7:33
